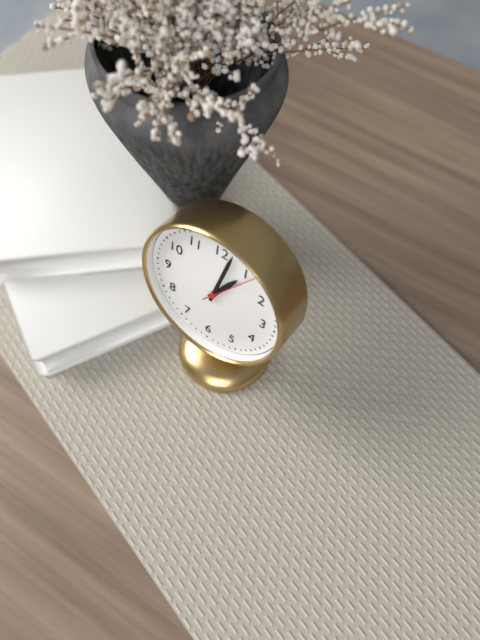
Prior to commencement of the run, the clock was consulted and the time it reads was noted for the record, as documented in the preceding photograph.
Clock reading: 1:02
